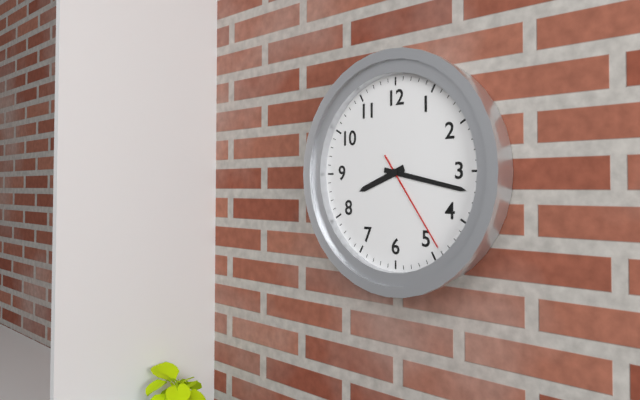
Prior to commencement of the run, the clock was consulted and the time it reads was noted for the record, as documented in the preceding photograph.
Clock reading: 8:17:24
